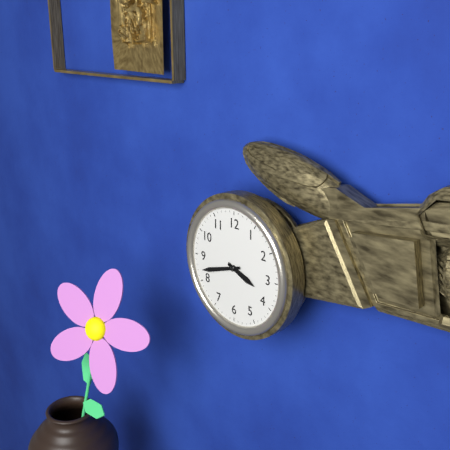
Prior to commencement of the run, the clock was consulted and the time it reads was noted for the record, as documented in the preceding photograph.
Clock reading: 3:42
